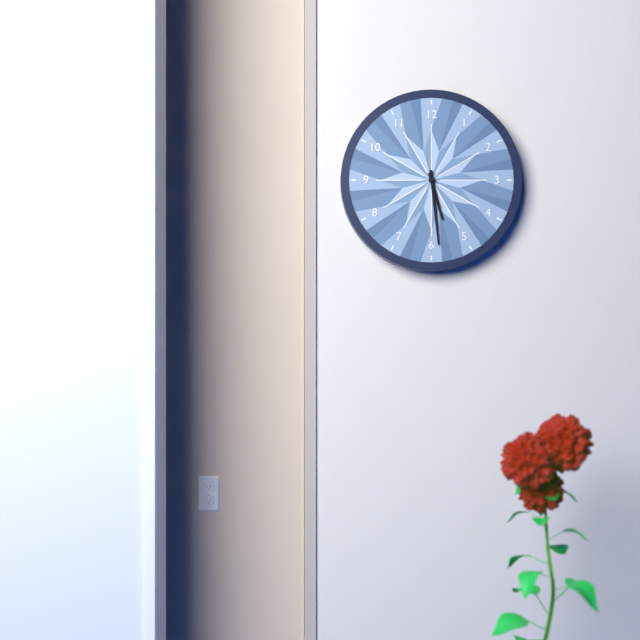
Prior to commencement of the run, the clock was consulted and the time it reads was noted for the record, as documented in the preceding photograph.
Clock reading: 5:29
